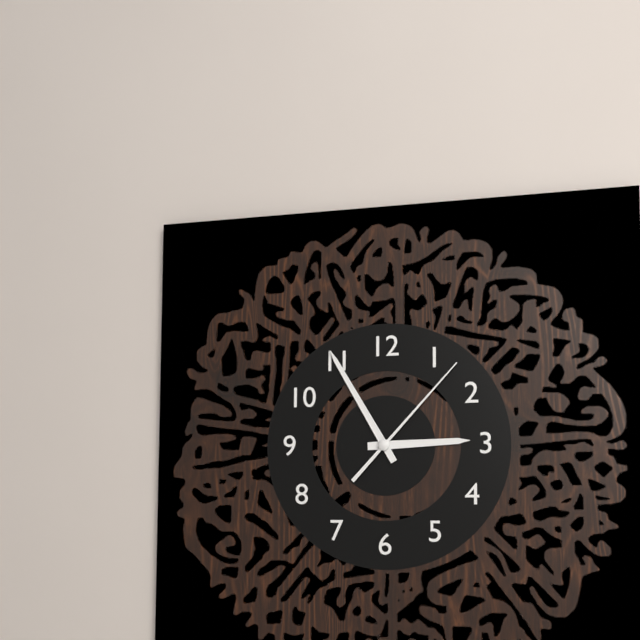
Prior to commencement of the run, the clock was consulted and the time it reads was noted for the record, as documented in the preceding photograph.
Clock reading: 2:55:07
